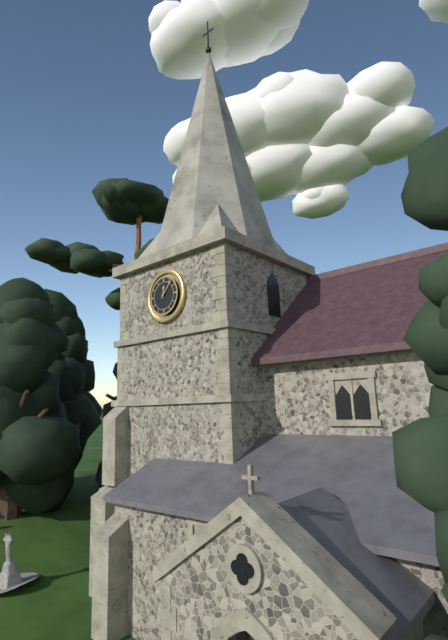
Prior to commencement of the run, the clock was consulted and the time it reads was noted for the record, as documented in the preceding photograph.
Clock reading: 12:07
